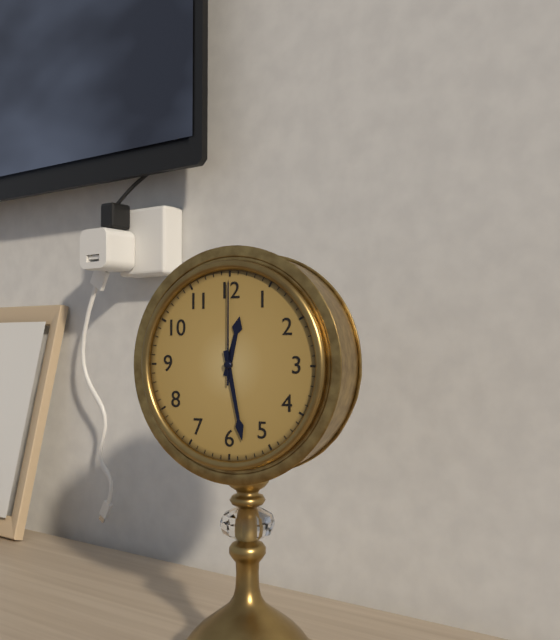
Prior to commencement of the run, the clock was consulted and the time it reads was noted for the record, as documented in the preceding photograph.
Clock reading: 12:28:00
